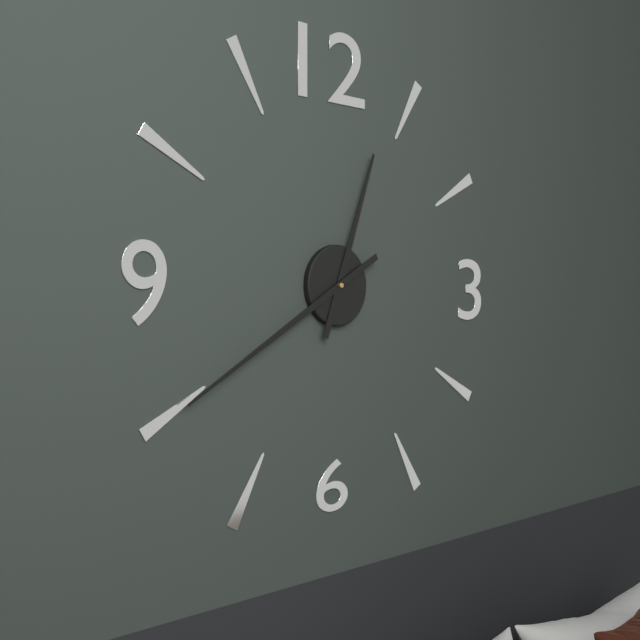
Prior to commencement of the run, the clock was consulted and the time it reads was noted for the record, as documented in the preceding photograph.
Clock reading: 12:40
